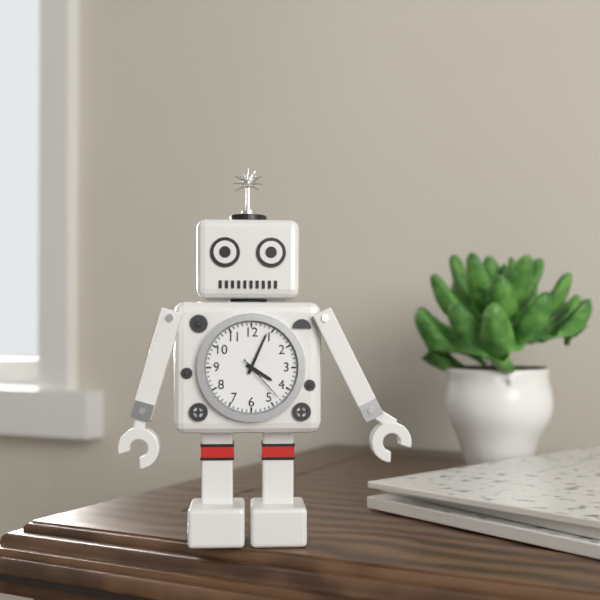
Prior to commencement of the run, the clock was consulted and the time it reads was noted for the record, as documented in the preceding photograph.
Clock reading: 4:04:23
